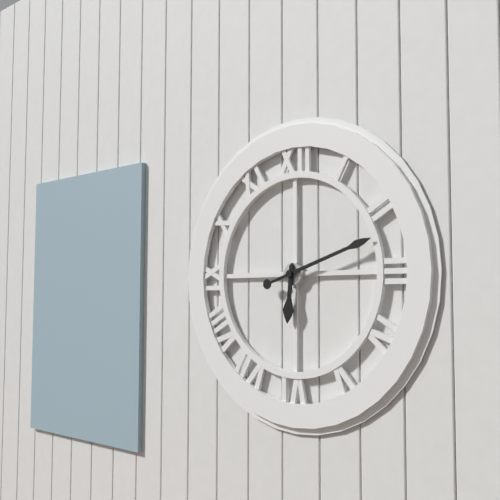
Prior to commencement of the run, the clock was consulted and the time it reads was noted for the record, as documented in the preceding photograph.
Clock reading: 6:12
